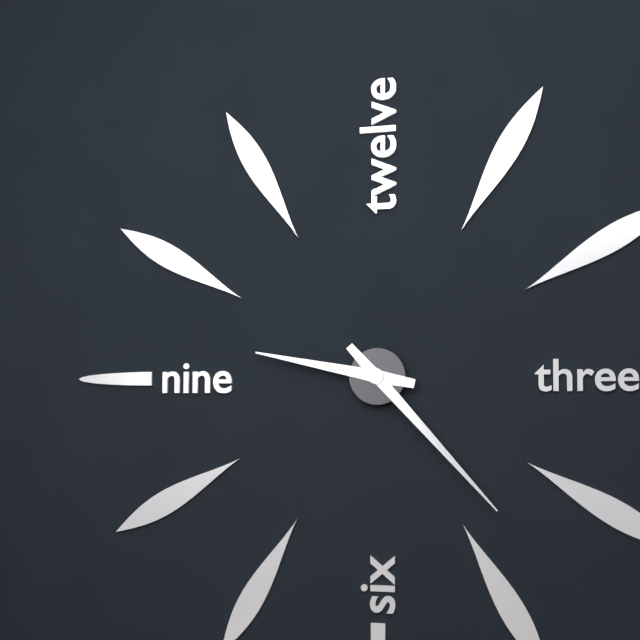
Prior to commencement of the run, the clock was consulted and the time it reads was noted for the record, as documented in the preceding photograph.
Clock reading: 9:23
